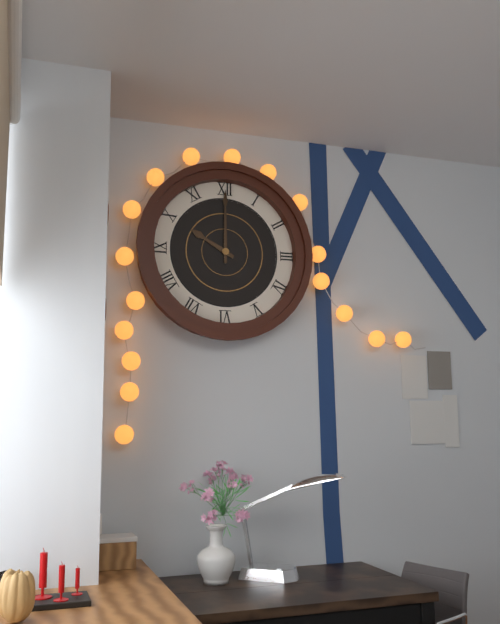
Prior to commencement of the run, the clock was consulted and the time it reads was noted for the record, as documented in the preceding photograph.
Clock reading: 10:00
